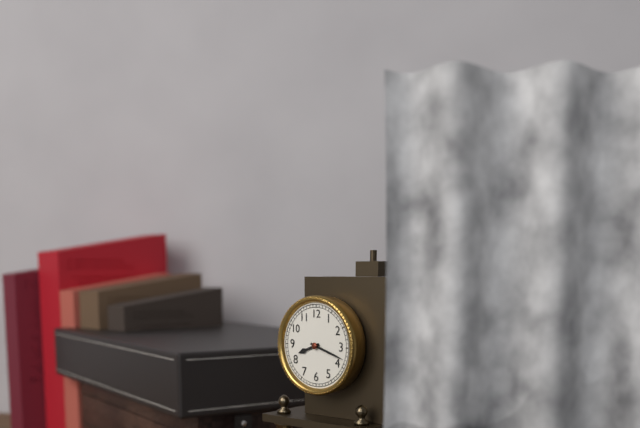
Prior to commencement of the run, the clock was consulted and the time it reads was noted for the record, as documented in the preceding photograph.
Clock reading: 8:18
